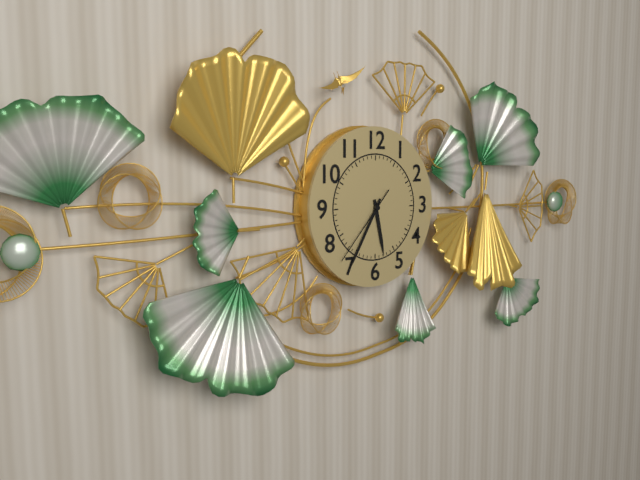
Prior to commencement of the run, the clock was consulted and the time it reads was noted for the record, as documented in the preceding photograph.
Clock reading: 5:35:37
